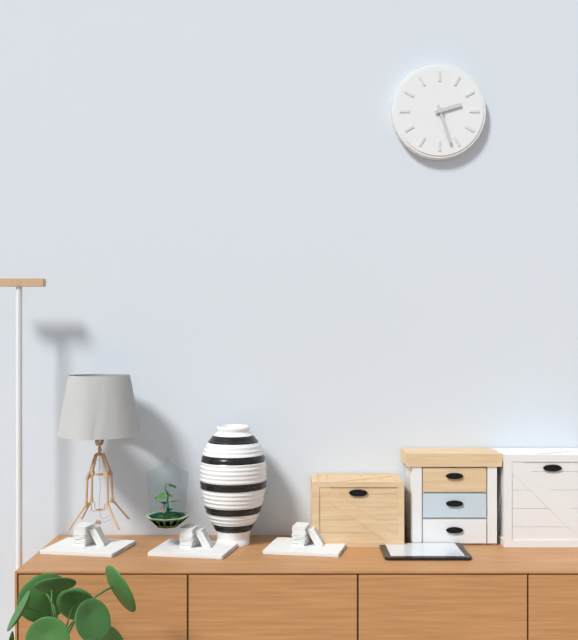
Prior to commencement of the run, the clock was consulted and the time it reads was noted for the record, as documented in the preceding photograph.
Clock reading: 2:27
